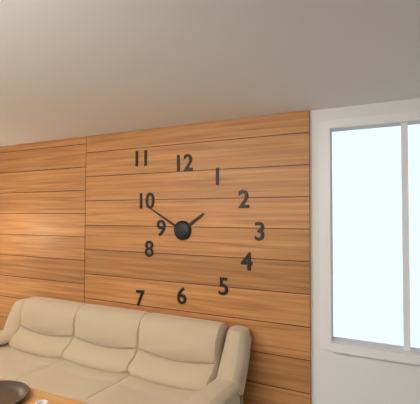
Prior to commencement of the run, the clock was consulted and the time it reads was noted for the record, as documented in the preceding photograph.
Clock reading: 1:50
